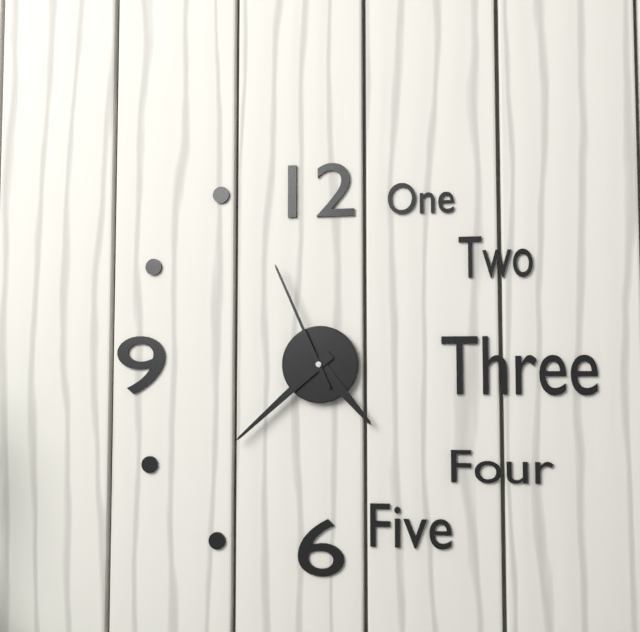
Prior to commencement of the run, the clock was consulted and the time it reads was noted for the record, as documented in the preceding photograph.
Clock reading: 4:38:56
